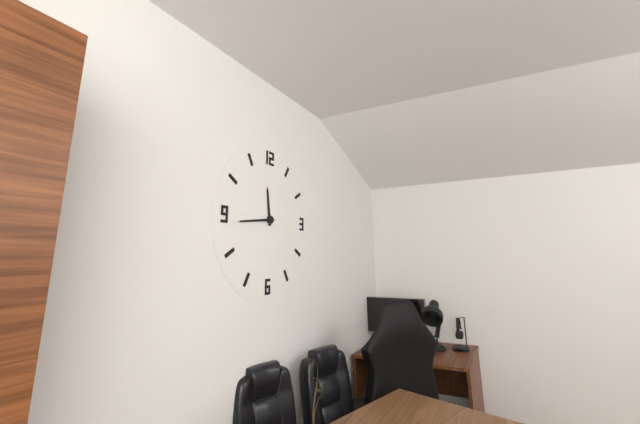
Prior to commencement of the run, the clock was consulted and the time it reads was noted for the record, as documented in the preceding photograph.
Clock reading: 11:44
